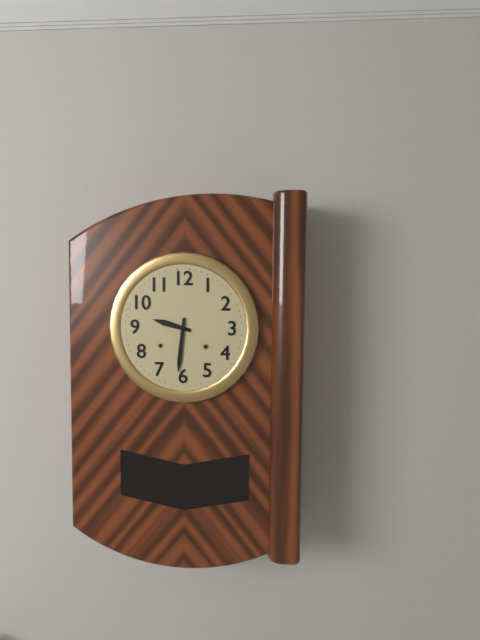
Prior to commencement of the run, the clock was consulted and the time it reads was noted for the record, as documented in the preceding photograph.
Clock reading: 9:31
